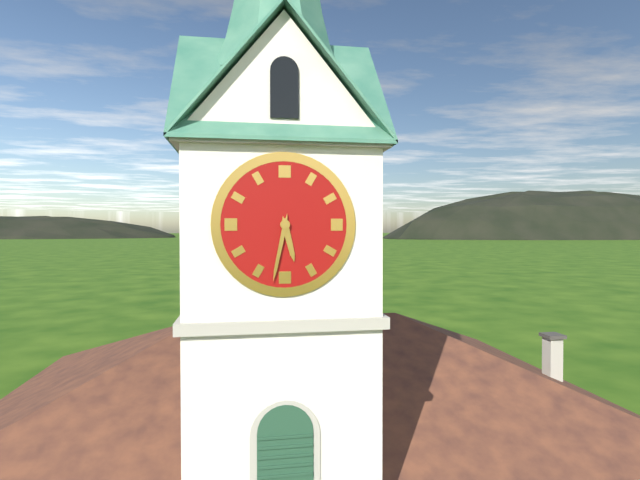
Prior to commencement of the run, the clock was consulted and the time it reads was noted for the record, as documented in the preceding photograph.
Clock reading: 5:32
